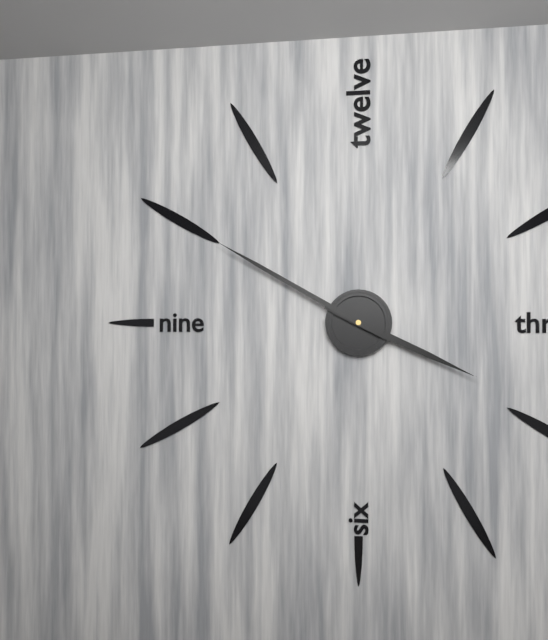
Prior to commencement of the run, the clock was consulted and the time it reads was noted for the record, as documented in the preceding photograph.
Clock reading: 3:50
